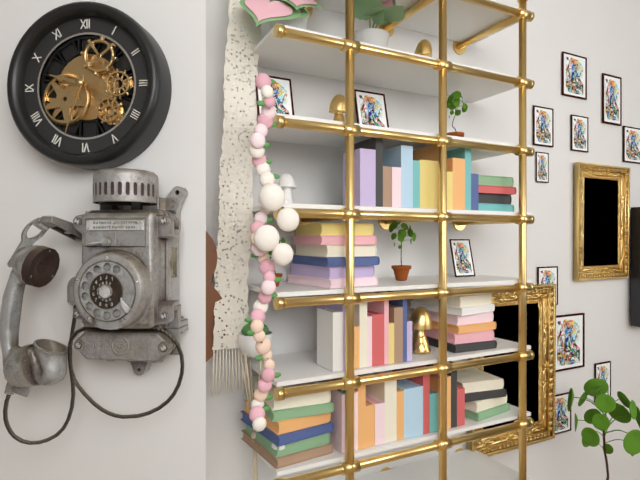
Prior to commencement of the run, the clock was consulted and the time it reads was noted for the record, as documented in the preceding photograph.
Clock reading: 9:33
